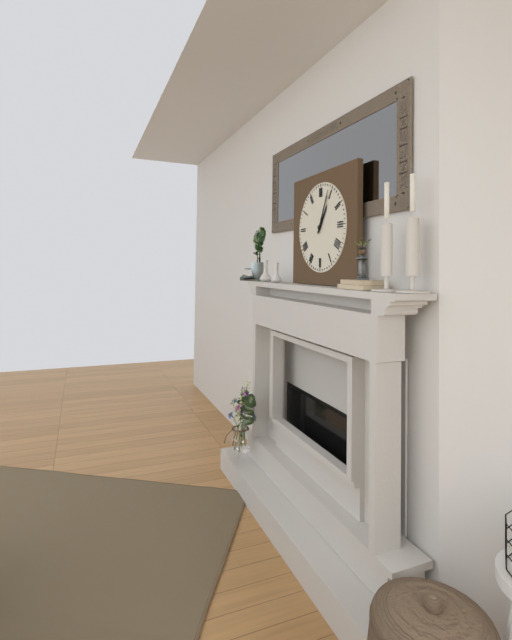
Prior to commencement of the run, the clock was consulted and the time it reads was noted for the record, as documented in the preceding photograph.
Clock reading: 1:04
